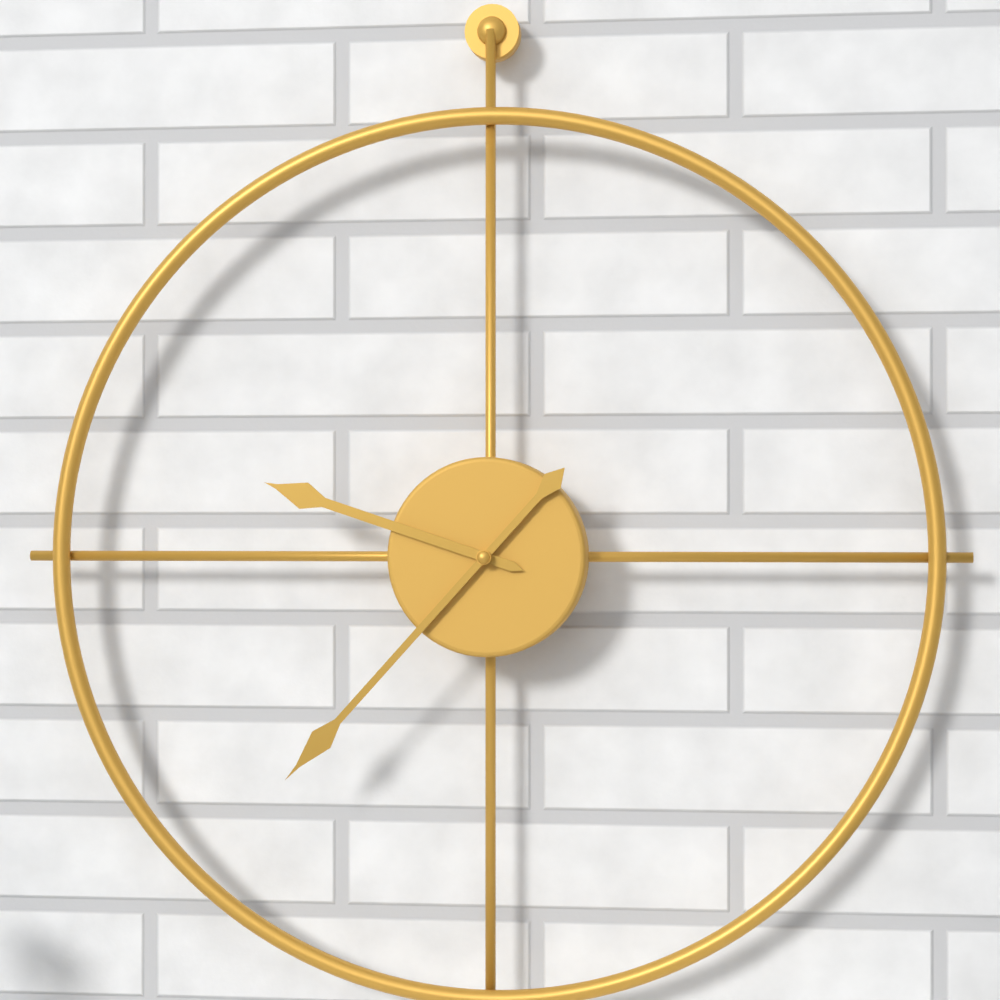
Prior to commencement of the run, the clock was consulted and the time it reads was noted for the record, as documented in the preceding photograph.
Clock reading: 9:37
